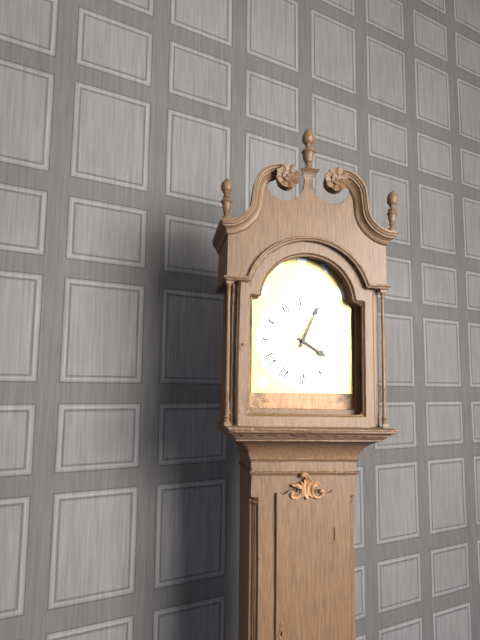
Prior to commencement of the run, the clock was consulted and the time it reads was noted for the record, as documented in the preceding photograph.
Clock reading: 4:04
